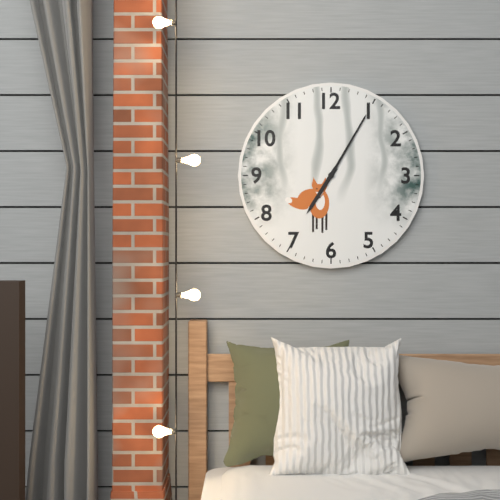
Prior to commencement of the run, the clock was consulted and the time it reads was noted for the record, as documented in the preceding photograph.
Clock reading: 7:05
